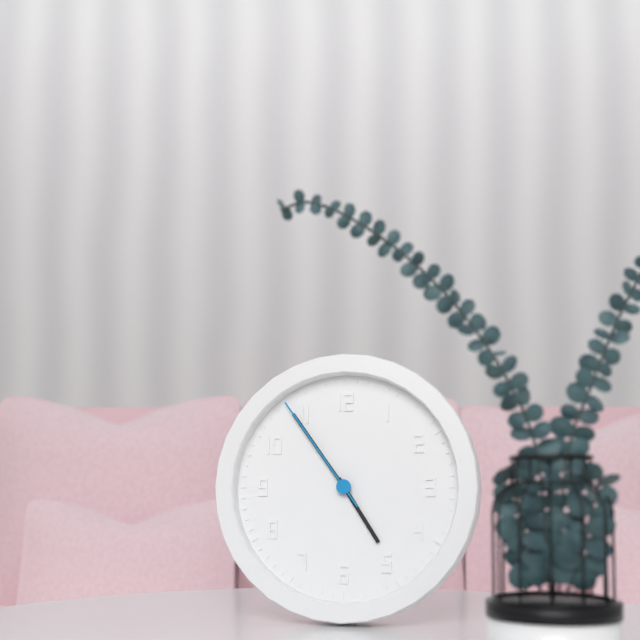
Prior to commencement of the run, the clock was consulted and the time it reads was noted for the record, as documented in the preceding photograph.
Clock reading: 4:54:54
